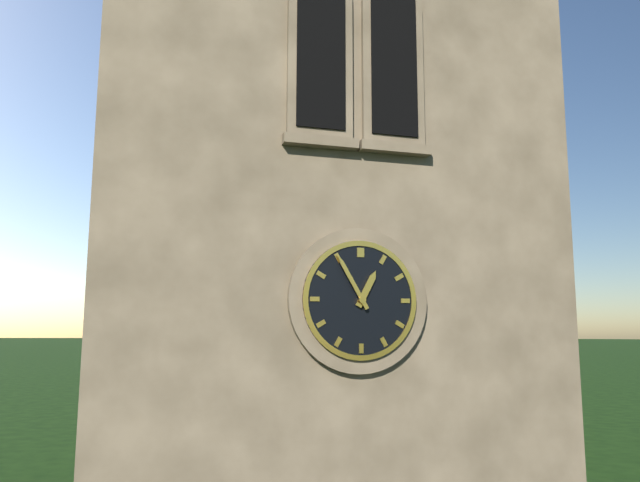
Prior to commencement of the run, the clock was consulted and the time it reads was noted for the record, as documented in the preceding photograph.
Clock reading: 12:55
